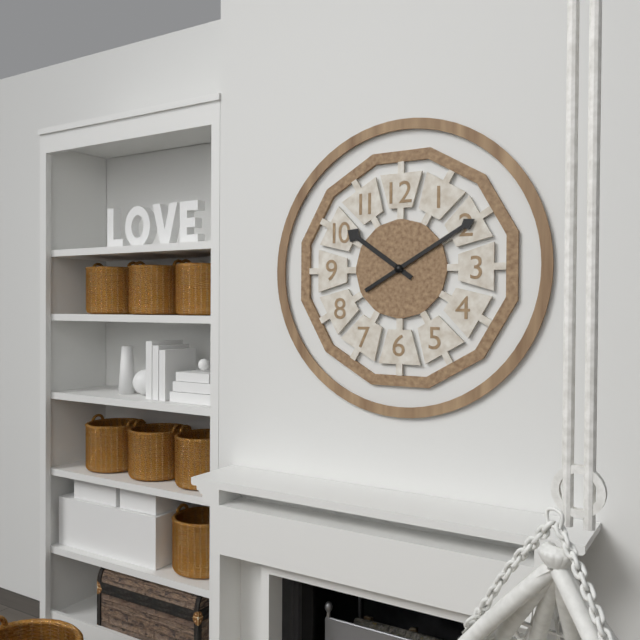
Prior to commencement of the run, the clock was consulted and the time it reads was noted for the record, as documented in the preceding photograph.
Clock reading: 10:10
